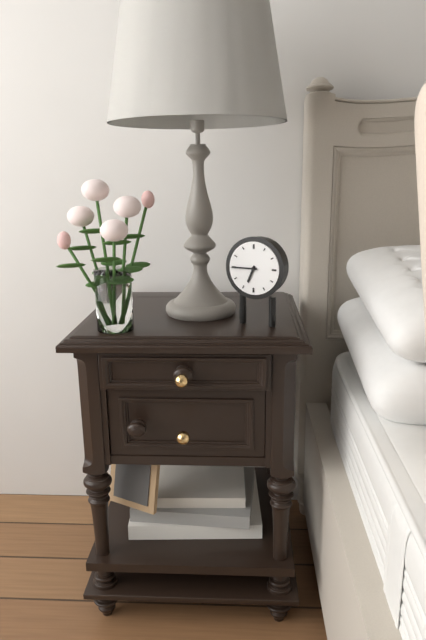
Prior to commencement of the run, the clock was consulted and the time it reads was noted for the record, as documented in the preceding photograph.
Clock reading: 6:45
